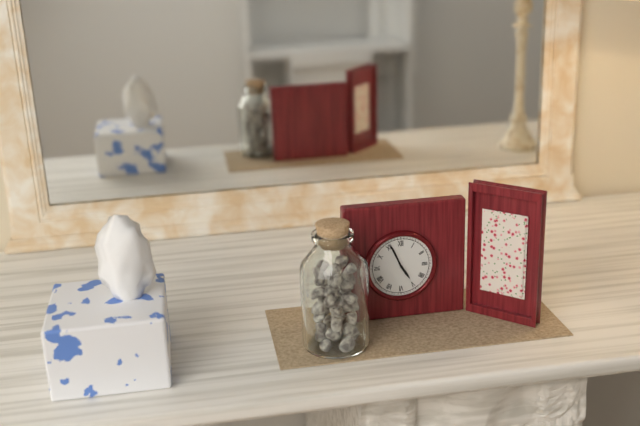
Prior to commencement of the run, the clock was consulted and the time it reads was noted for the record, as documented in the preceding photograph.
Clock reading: 4:56
